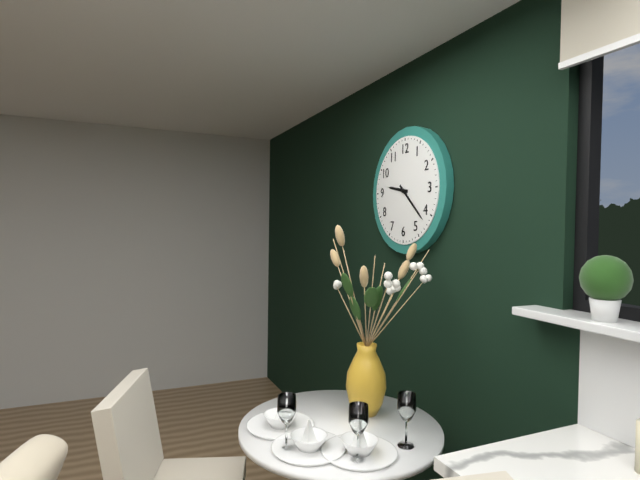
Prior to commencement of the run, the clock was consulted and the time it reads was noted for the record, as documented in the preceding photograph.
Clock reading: 9:22
